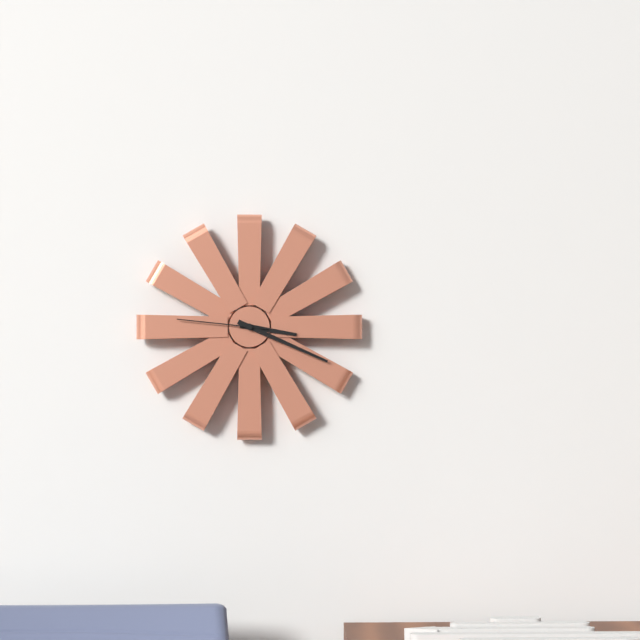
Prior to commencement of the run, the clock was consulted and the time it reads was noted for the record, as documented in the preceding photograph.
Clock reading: 3:19:46
